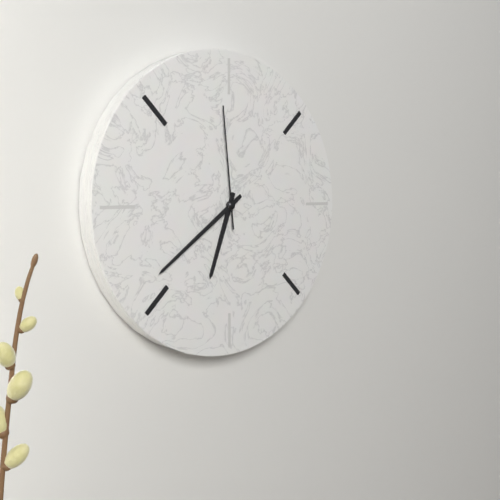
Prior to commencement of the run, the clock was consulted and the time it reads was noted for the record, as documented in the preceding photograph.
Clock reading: 6:39:59
